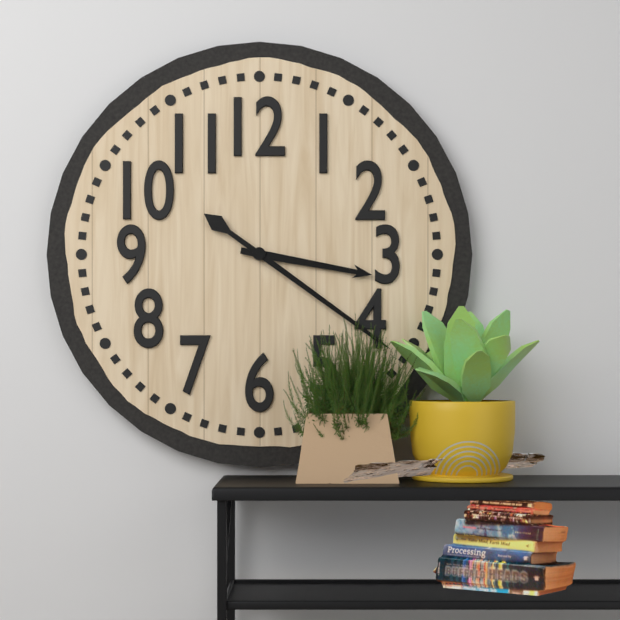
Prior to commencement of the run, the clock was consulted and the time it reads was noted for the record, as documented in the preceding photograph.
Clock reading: 3:21
